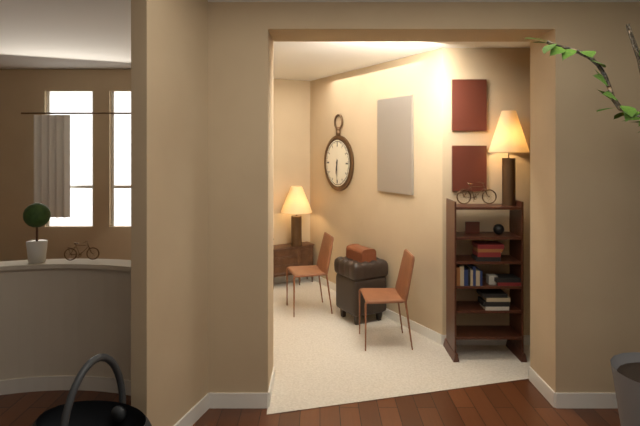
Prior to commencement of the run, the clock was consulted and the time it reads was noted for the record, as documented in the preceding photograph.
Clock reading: 6:30
